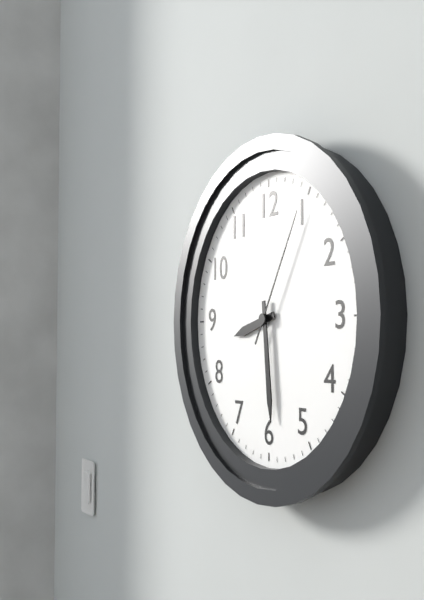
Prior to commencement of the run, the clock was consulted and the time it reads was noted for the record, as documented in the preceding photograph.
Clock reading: 8:29:05
